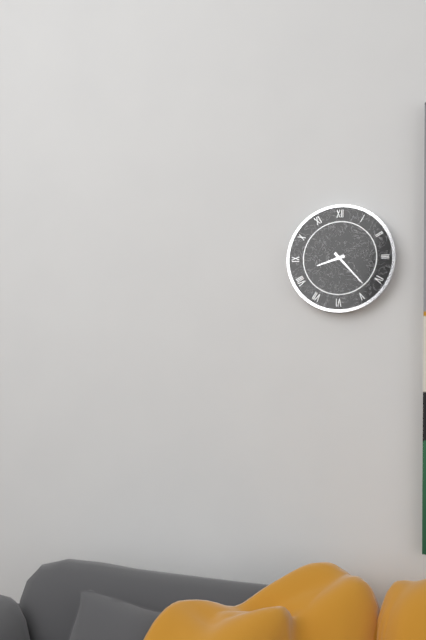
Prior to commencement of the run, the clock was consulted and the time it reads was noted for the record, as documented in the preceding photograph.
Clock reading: 8:23
